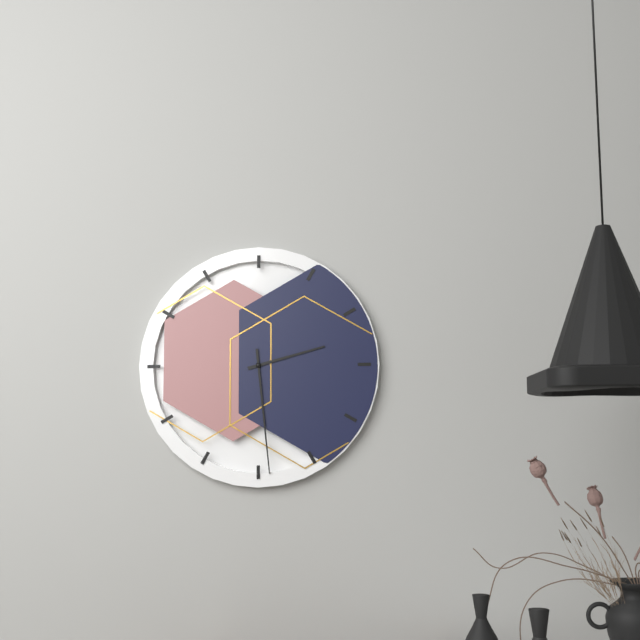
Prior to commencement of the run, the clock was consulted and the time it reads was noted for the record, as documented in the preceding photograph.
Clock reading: 2:29
